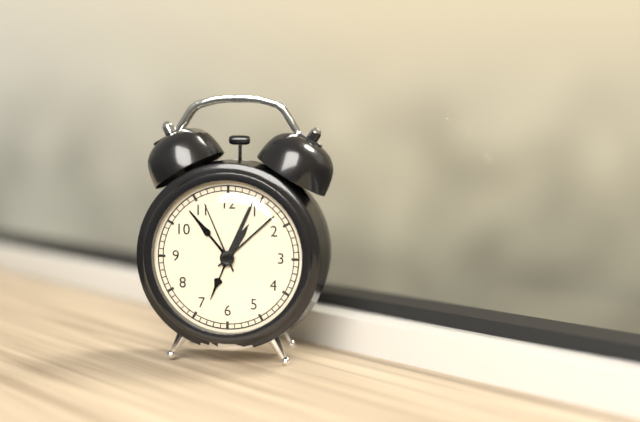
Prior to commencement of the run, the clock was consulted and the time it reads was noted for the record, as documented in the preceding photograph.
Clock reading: 1:04:56
